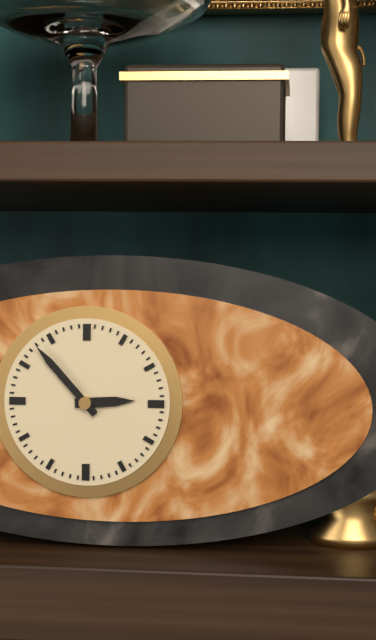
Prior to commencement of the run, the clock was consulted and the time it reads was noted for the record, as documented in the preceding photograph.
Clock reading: 2:53
